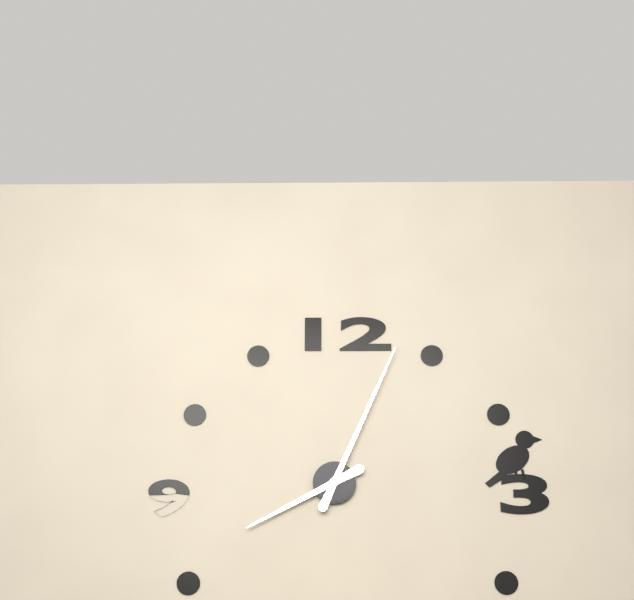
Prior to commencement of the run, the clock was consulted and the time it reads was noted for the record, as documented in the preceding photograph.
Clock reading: 8:04
